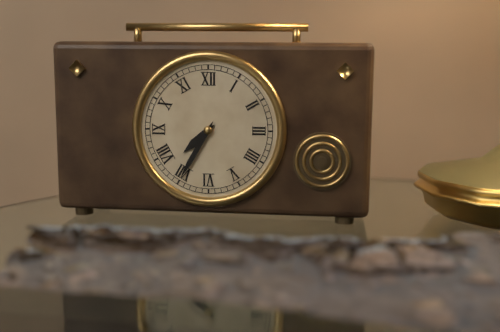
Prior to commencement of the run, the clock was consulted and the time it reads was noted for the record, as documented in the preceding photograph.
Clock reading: 7:35
